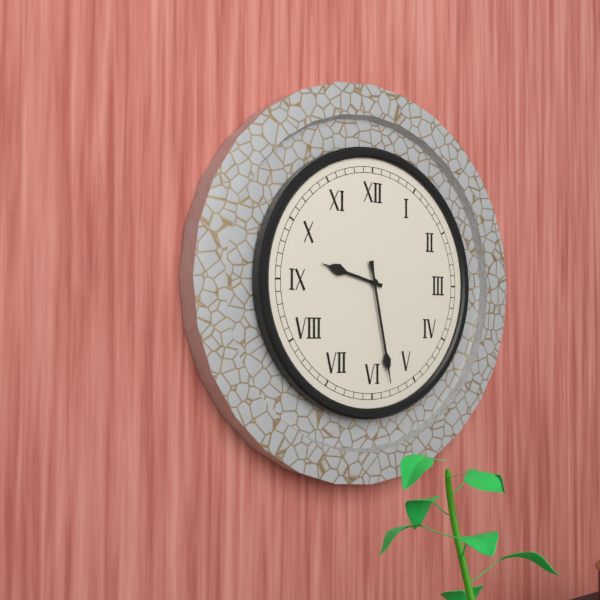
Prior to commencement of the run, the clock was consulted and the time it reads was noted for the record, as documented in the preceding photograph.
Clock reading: 9:28
